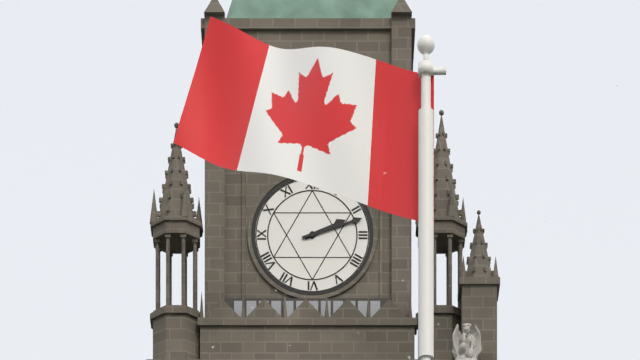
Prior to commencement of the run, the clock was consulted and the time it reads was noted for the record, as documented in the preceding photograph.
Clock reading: 2:12
